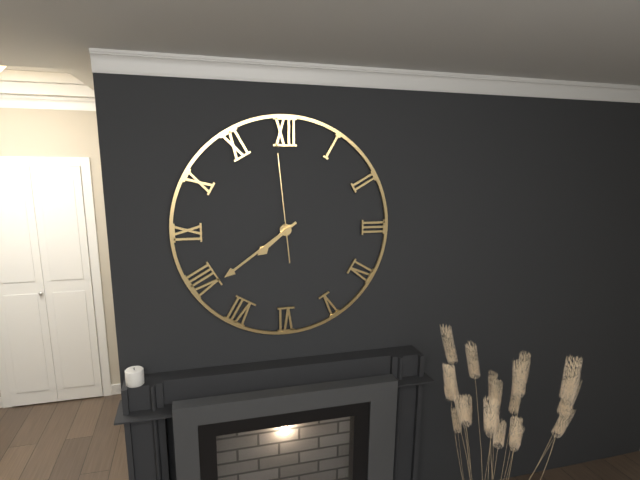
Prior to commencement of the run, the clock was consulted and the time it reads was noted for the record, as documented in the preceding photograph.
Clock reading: 7:39:59
